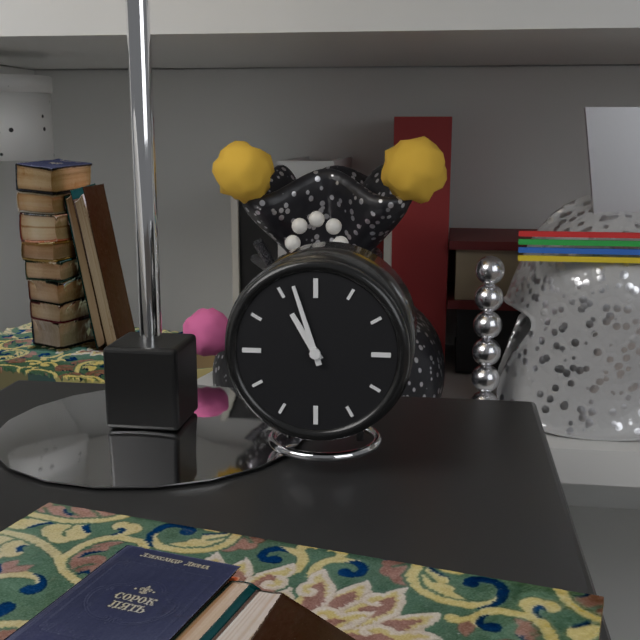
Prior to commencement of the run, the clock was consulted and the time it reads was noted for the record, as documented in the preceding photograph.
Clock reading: 10:57
